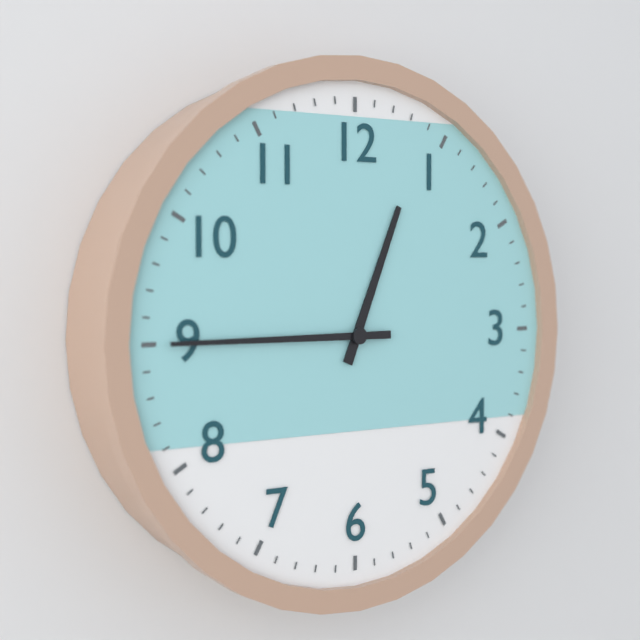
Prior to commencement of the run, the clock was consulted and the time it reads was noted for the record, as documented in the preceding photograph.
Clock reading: 12:45
